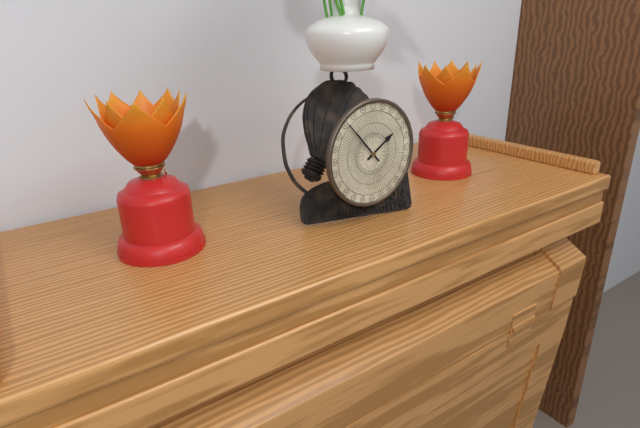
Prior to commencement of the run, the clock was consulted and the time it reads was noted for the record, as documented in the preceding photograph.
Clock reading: 1:53
